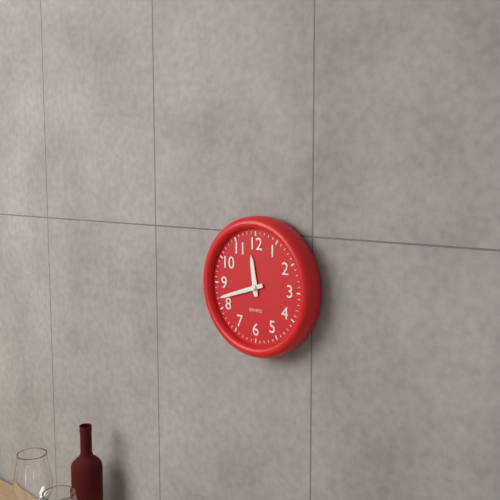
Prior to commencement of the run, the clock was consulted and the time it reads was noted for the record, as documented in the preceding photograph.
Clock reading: 11:42
